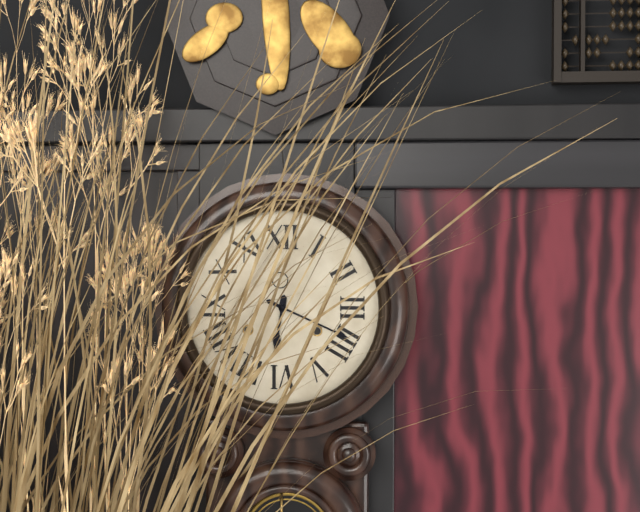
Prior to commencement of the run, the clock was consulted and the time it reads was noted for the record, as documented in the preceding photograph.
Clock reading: 6:19
